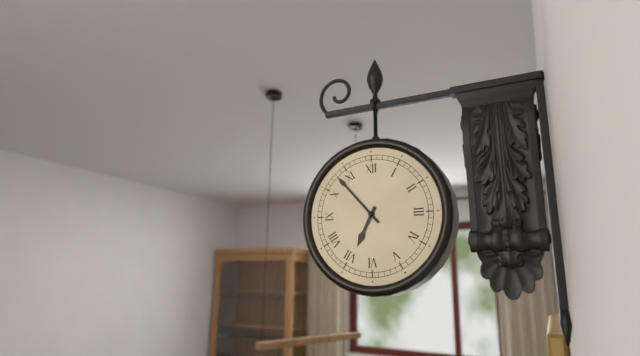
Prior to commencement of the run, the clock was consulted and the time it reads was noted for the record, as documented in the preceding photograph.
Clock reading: 6:53
